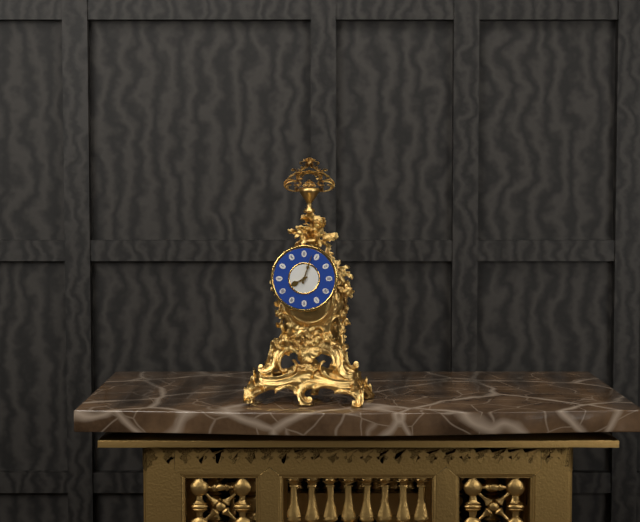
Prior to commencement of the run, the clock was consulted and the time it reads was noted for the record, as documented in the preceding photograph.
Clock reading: 8:03
